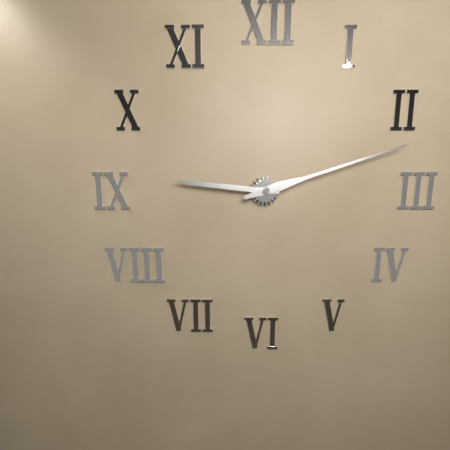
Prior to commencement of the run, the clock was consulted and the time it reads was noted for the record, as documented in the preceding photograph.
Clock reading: 9:12
